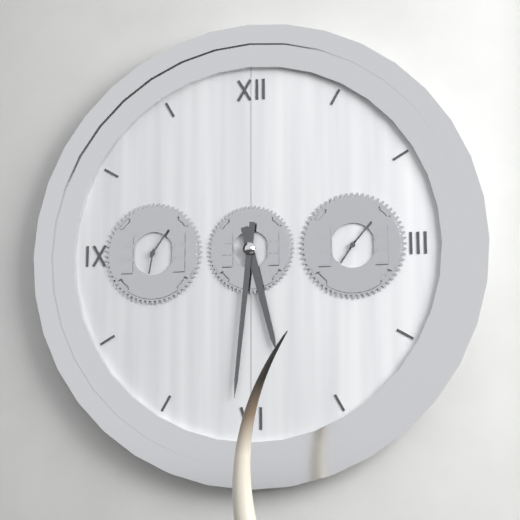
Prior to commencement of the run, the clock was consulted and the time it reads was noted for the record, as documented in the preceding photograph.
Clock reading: 5:31
